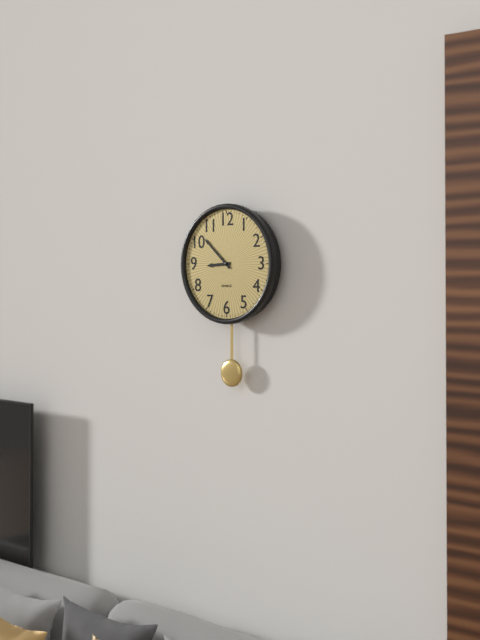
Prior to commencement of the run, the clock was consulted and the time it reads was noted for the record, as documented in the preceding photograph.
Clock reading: 8:52
